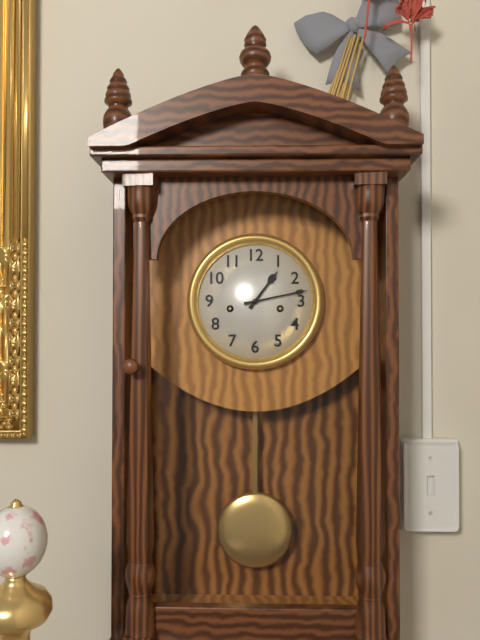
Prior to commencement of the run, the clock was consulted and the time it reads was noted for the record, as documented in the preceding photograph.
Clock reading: 1:13
